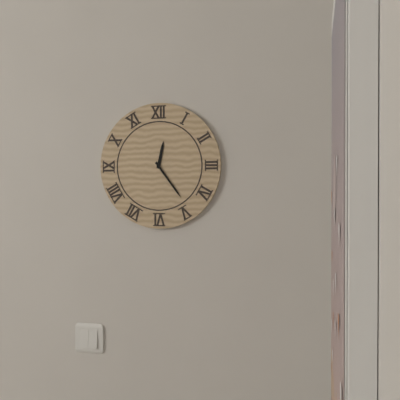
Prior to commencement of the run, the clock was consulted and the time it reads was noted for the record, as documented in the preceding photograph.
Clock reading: 12:24
